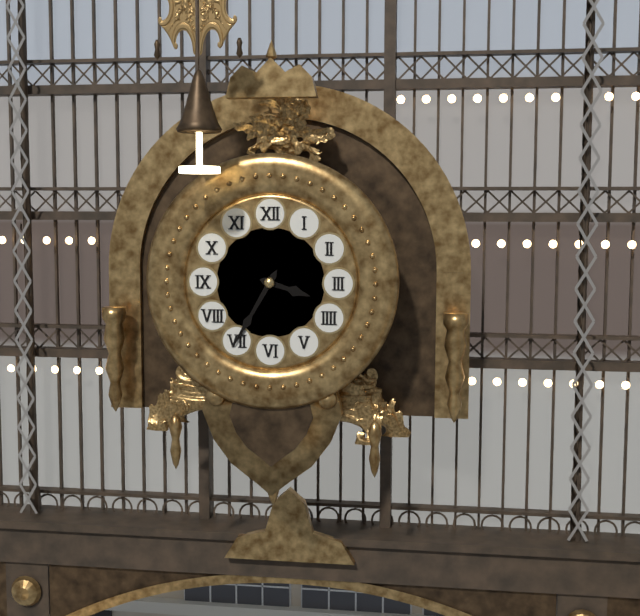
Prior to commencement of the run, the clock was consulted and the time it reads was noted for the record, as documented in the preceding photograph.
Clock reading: 3:35
